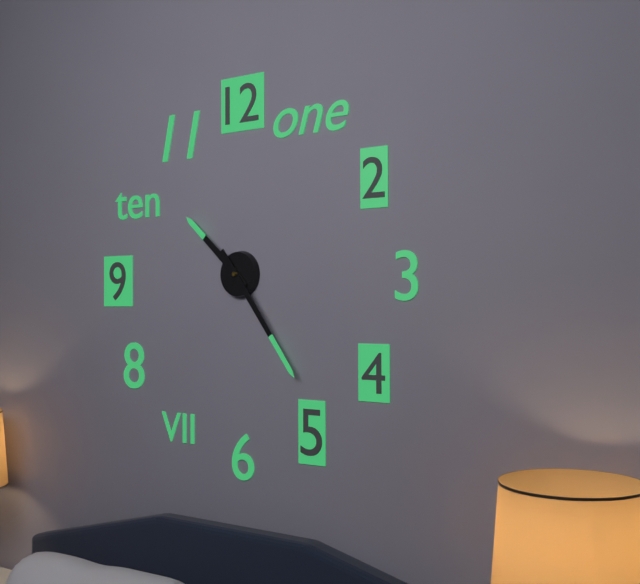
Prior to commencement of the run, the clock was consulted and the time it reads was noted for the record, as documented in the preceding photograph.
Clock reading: 10:24
